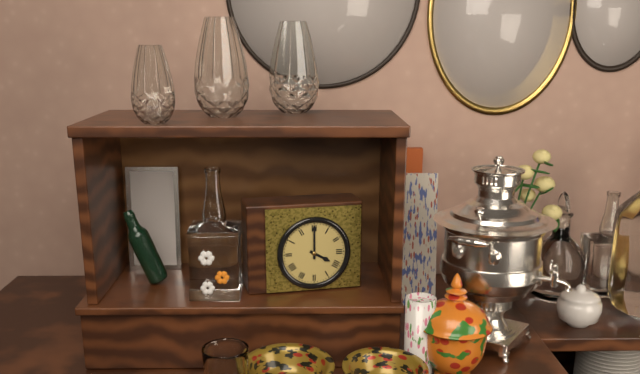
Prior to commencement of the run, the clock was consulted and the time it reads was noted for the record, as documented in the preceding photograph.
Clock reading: 4:00
